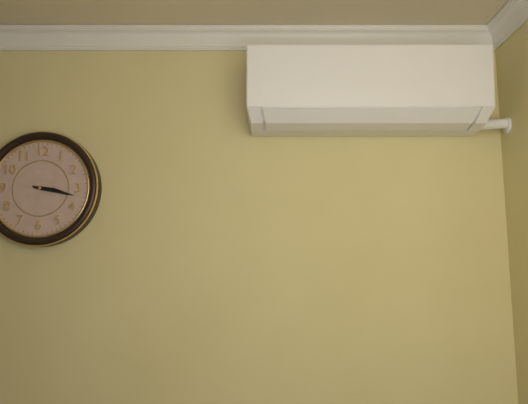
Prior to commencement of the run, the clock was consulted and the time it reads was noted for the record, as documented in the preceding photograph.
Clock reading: 3:17
